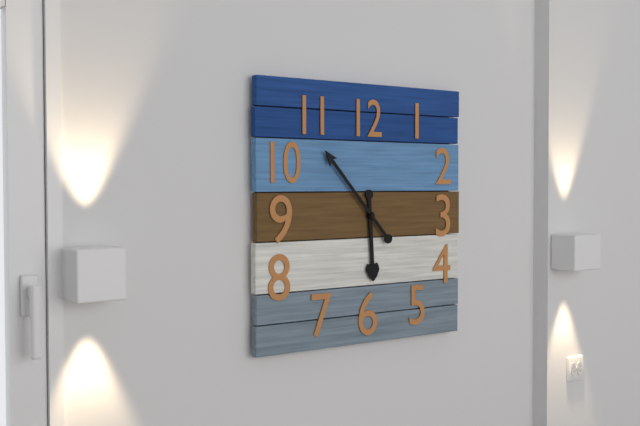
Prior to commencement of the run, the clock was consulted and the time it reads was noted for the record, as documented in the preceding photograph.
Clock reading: 5:53
